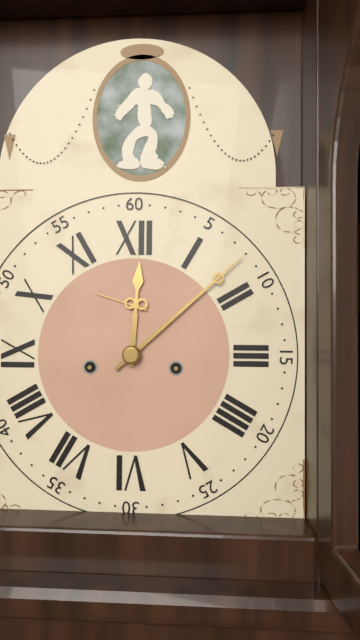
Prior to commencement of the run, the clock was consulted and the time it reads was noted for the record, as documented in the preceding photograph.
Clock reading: 12:08:48
